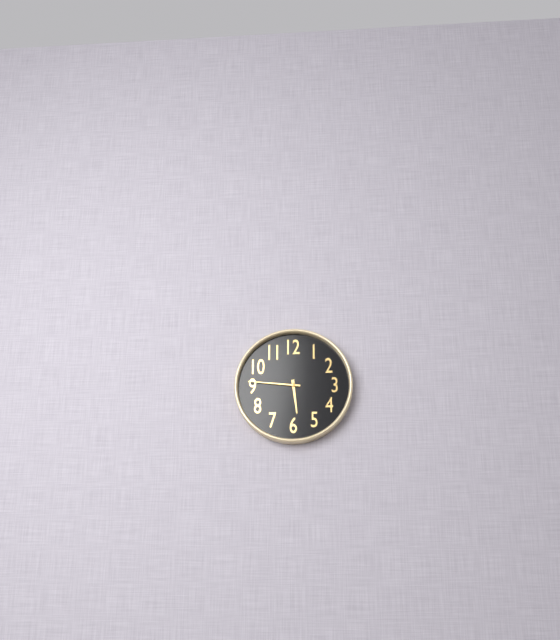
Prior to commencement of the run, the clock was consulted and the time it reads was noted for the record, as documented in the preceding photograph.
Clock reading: 5:46
